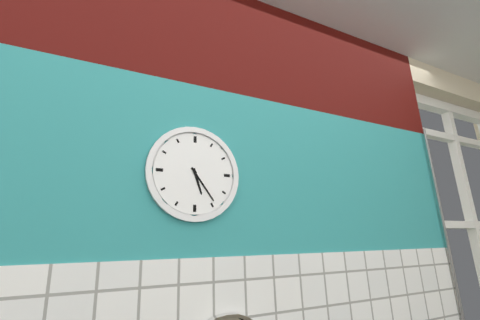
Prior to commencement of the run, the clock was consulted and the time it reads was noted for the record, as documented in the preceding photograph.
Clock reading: 5:24
